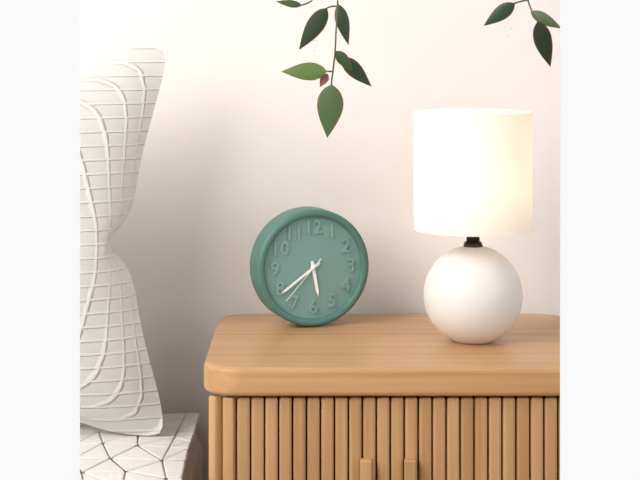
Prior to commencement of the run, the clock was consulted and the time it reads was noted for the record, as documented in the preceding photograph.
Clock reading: 5:39:37
